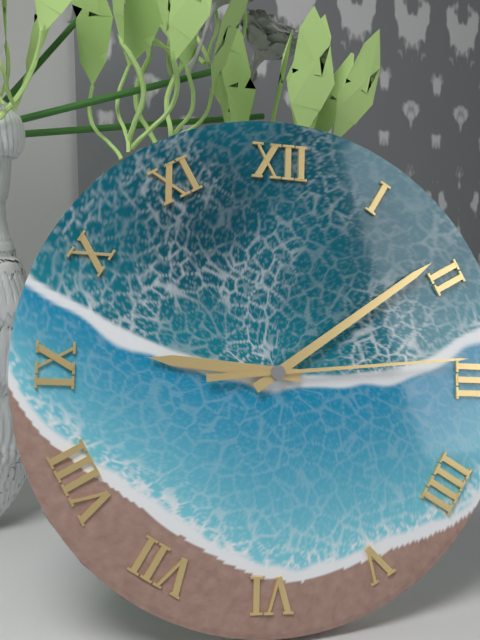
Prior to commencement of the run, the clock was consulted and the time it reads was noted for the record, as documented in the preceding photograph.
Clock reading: 9:09:14
